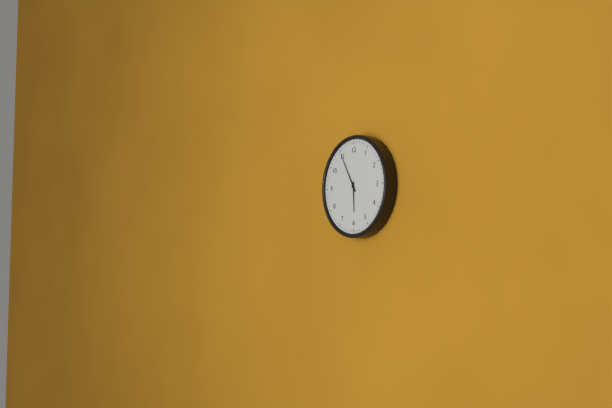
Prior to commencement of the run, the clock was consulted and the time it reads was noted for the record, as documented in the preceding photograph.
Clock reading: 5:55
